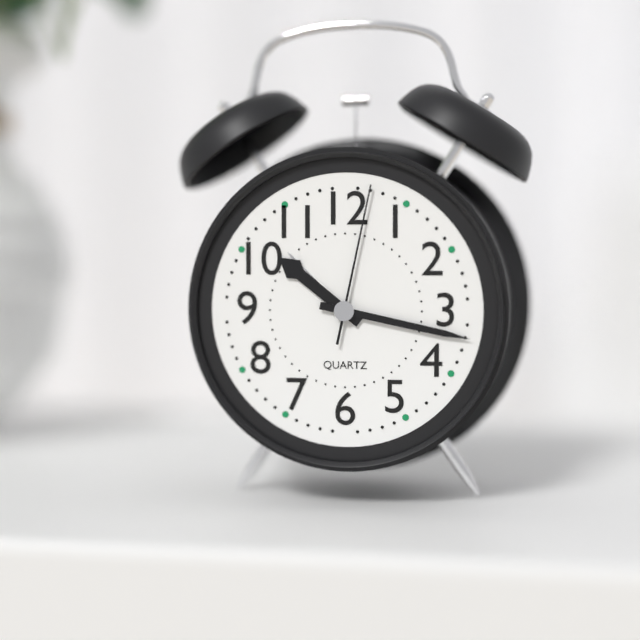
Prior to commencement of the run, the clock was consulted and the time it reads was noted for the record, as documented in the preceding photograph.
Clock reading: 10:17:02
